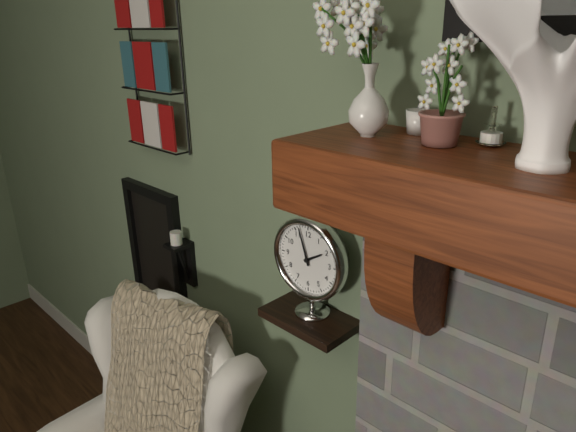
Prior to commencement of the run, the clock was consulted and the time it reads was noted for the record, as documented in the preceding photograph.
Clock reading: 1:57
